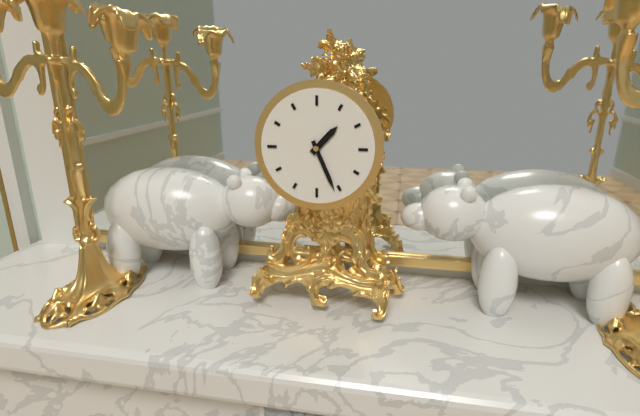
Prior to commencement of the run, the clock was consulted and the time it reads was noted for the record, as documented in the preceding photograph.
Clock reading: 1:26
